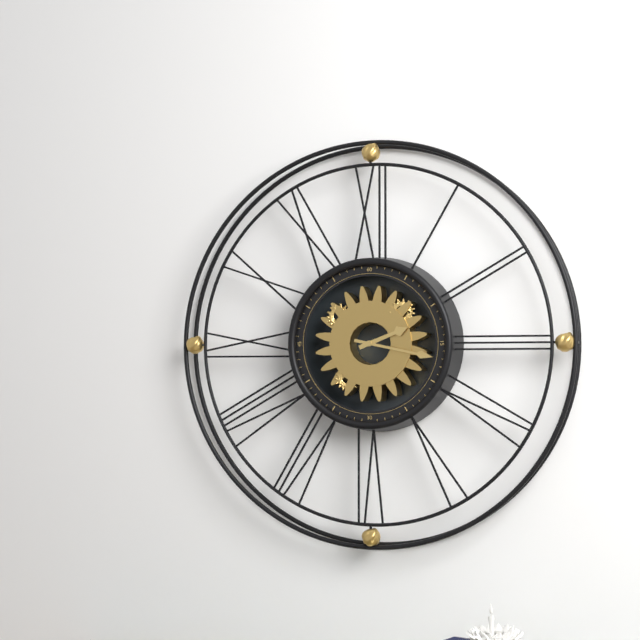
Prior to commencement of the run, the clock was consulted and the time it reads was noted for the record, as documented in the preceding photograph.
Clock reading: 2:17
